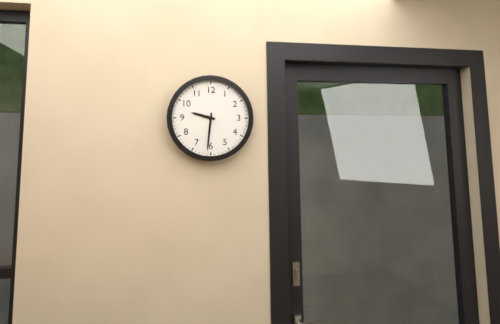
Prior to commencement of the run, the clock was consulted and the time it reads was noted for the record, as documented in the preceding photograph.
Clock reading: 9:31
